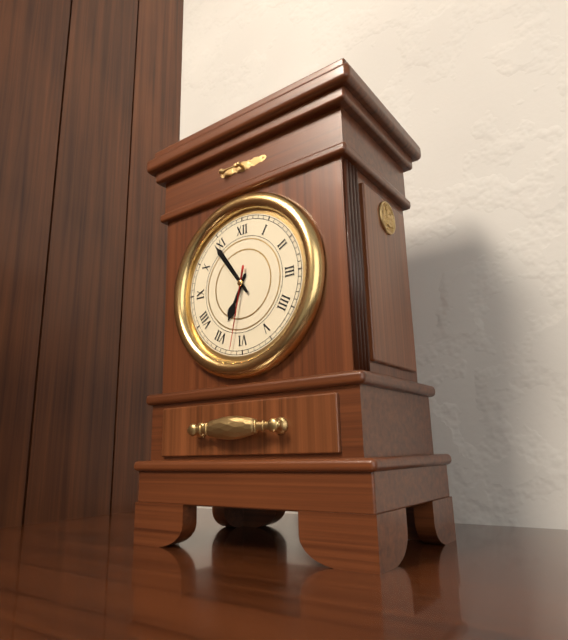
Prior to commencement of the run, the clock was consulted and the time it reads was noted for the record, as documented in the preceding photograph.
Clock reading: 6:54:32
